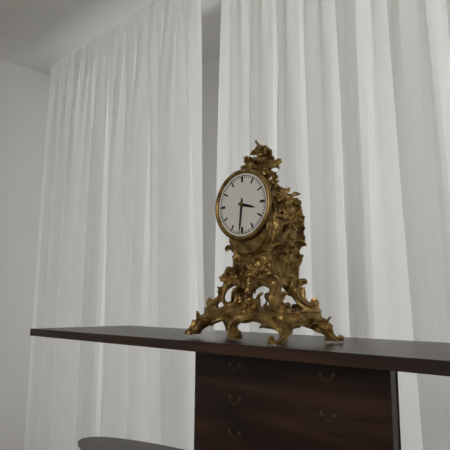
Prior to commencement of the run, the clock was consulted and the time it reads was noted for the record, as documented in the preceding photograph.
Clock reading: 3:31
